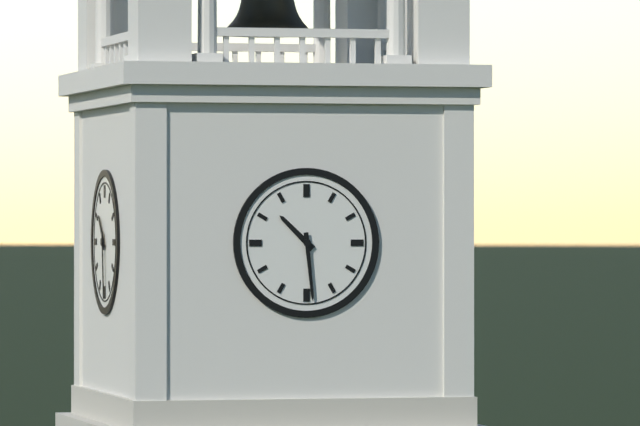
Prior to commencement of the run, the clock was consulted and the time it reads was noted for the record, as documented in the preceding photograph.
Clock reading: 10:29
